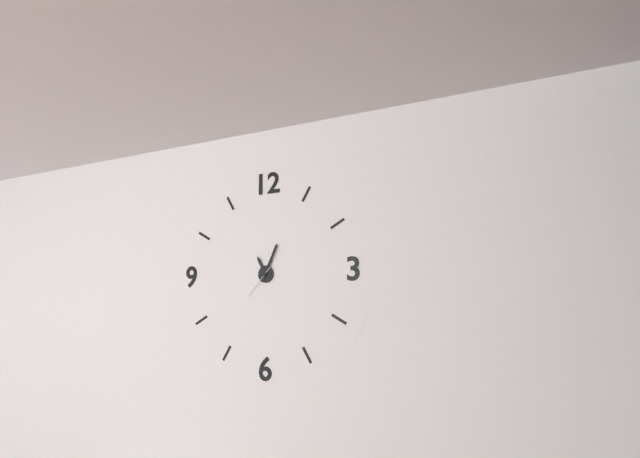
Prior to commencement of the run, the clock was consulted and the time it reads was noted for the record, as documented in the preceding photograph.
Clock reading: 11:04
